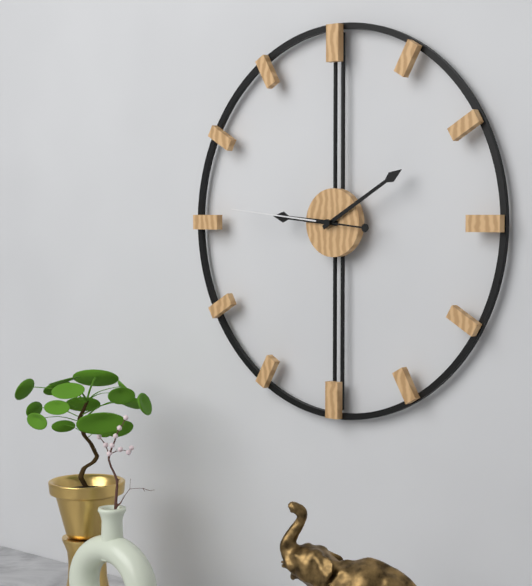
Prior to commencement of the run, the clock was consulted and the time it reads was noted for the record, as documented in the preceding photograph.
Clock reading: 9:10:46
